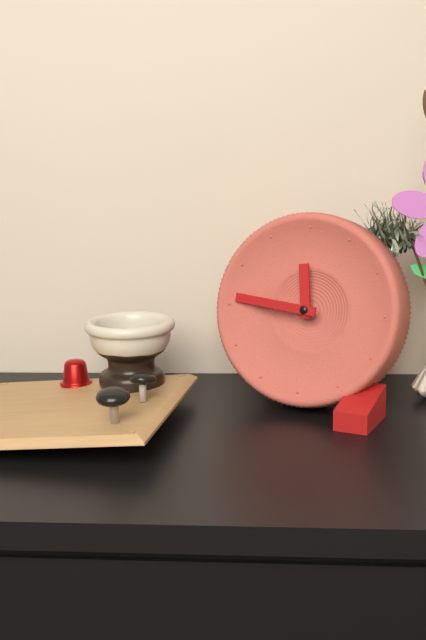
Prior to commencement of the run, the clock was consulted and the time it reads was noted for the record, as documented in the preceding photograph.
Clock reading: 11:46
